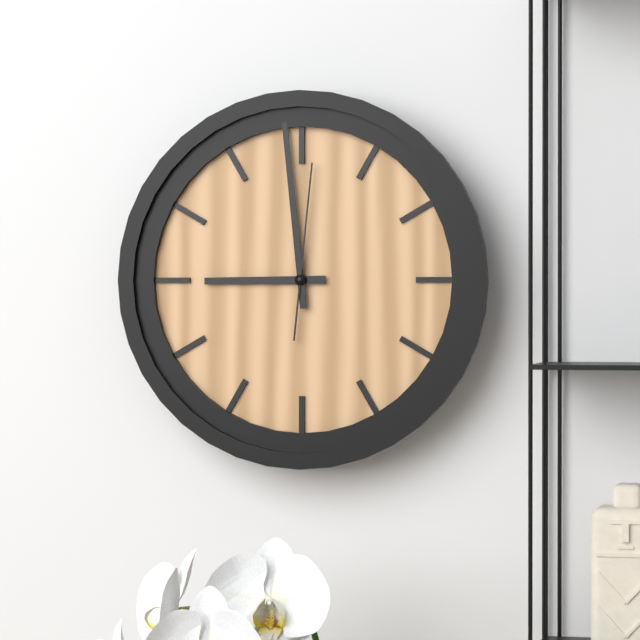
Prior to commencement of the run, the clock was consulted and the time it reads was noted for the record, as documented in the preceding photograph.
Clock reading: 8:59:01
